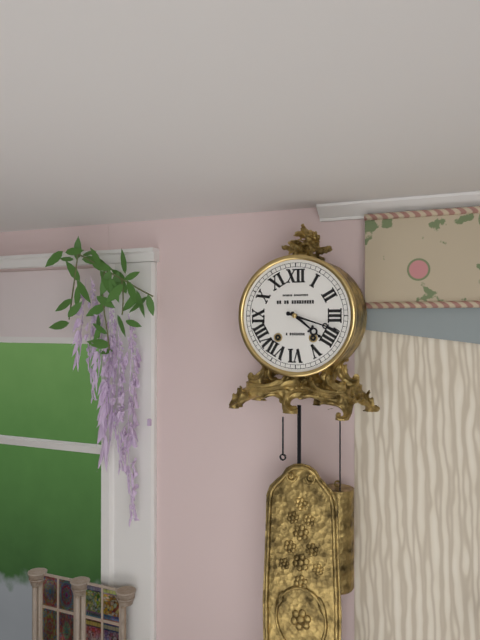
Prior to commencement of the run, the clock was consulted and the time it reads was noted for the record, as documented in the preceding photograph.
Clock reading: 4:18
